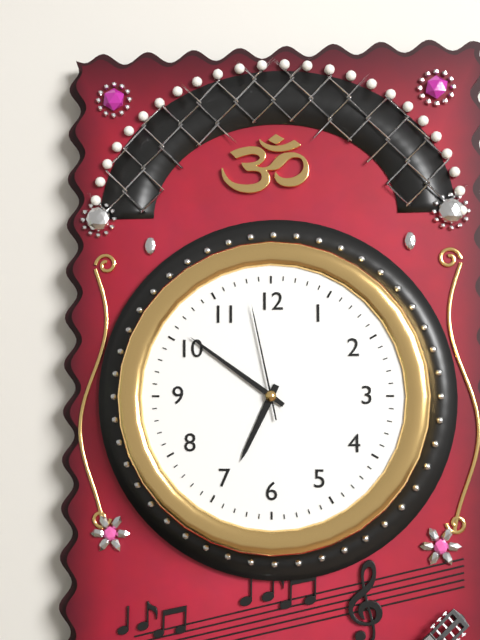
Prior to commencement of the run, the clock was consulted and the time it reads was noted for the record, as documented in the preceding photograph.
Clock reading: 6:51:58
